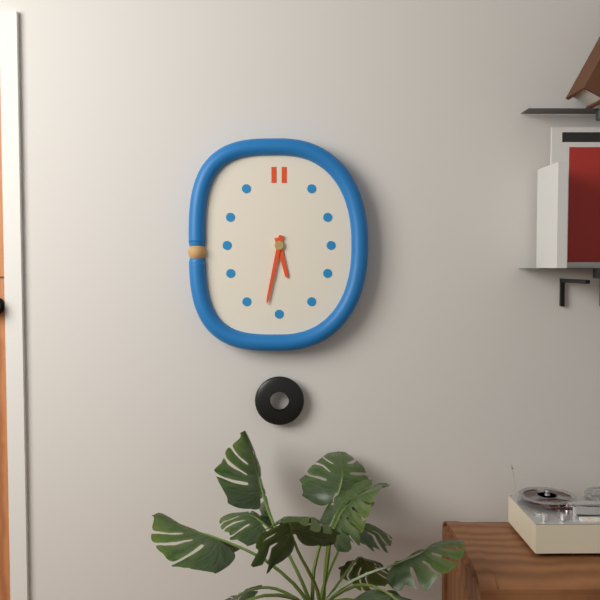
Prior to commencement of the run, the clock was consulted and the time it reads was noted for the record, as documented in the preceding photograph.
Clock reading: 5:32
